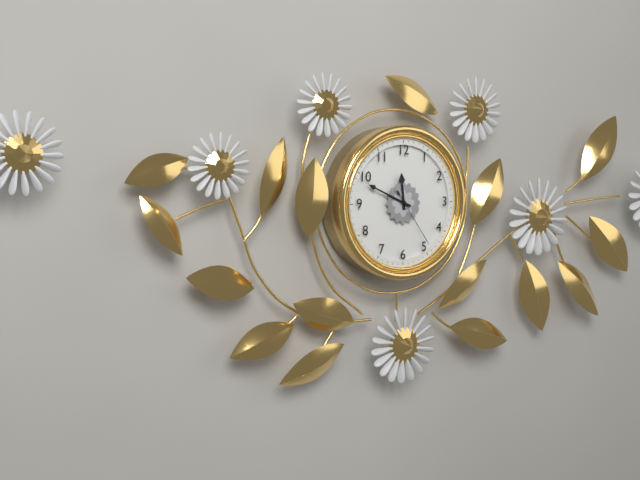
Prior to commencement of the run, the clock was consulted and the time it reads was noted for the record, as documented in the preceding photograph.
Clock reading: 11:49:24
